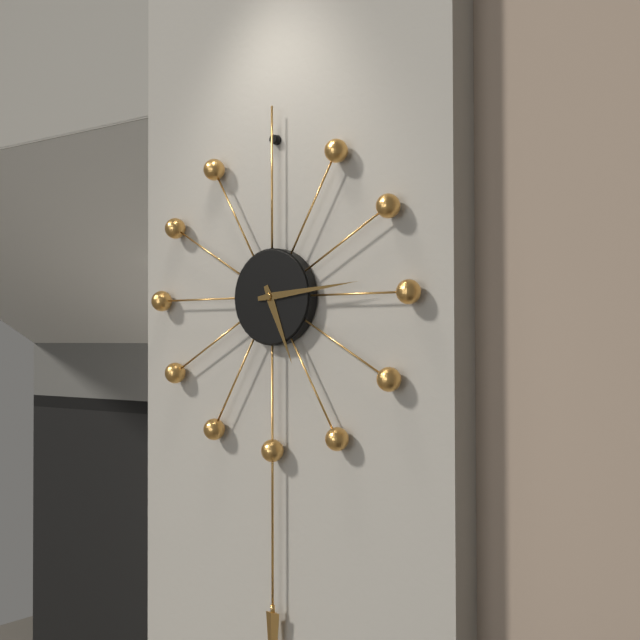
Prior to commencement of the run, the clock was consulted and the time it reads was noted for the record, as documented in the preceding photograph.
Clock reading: 5:14
